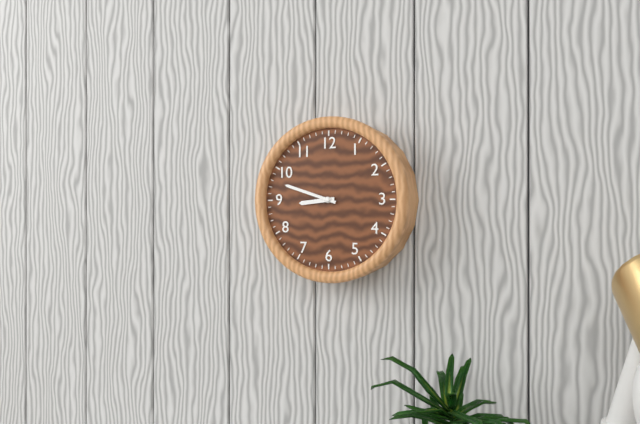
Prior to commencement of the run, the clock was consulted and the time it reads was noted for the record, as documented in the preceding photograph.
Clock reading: 8:48
